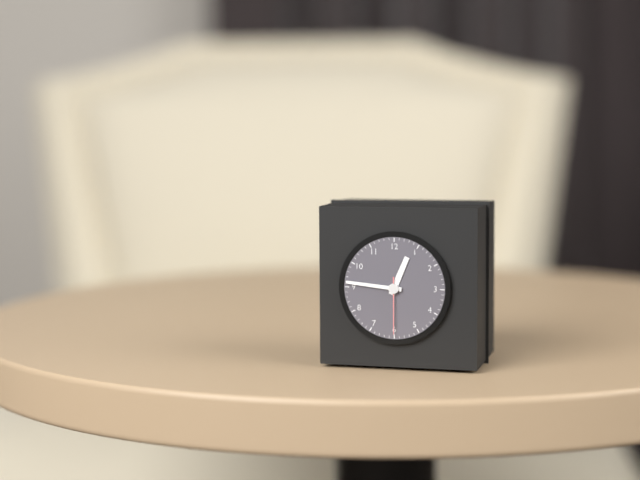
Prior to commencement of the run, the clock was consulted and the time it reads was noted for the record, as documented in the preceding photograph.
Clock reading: 12:46:30
